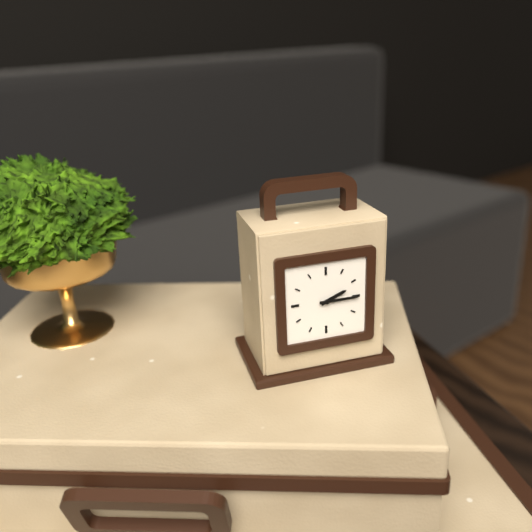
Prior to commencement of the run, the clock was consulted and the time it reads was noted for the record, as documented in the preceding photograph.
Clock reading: 2:15
